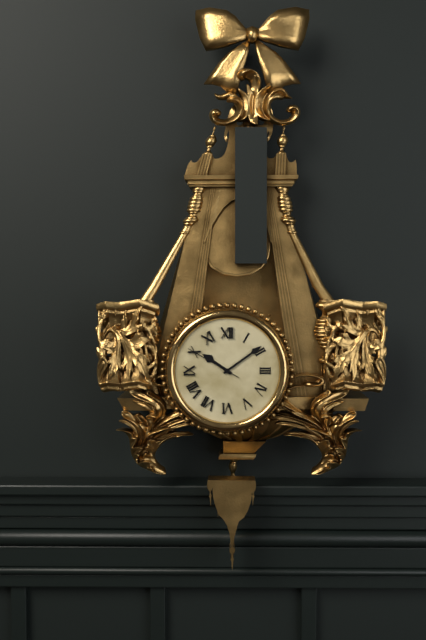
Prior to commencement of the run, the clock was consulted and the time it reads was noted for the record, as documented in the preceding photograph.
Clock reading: 10:09:50
